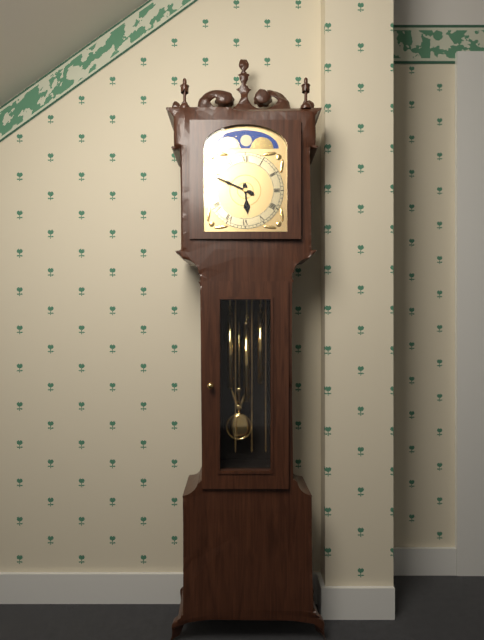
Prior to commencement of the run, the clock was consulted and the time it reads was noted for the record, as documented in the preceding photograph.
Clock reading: 5:49
